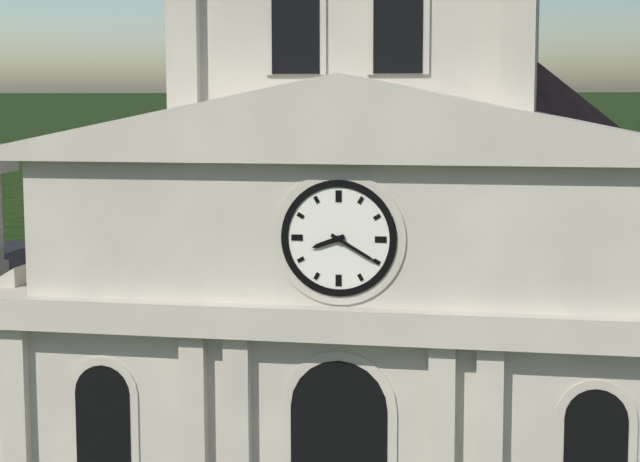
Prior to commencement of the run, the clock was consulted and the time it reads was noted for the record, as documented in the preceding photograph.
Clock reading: 8:20
